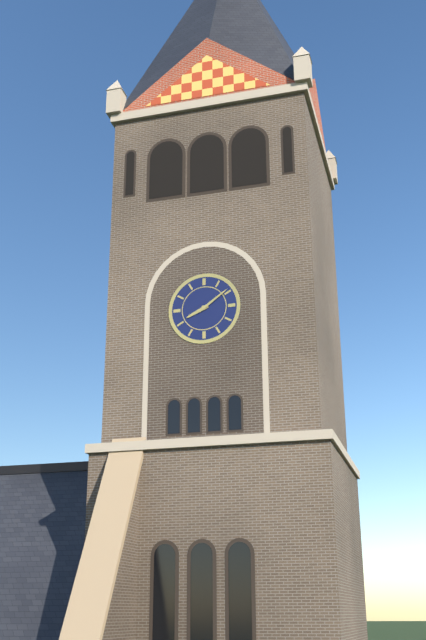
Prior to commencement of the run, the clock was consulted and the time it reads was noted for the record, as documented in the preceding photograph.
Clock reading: 8:09
